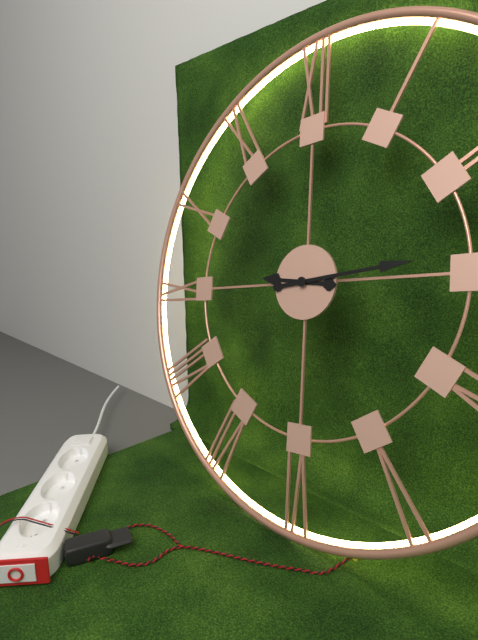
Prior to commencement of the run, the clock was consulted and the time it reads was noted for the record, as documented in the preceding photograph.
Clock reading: 9:14
